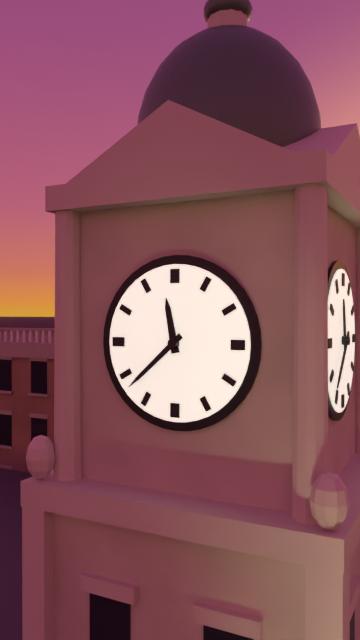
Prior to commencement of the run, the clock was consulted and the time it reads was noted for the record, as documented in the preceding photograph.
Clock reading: 11:38
